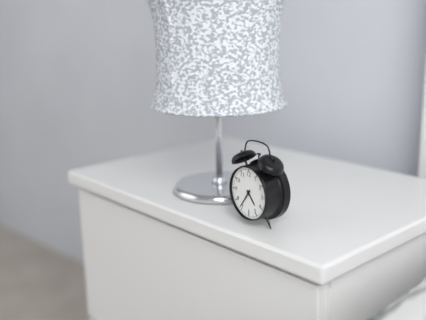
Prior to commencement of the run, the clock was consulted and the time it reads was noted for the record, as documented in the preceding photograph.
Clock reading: 4:36
